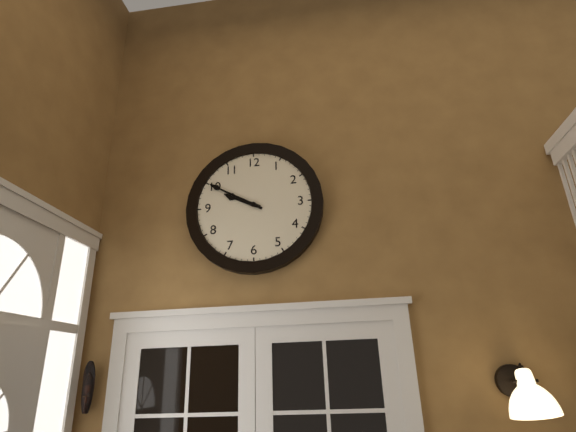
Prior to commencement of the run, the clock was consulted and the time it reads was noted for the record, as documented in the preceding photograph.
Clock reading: 9:50
